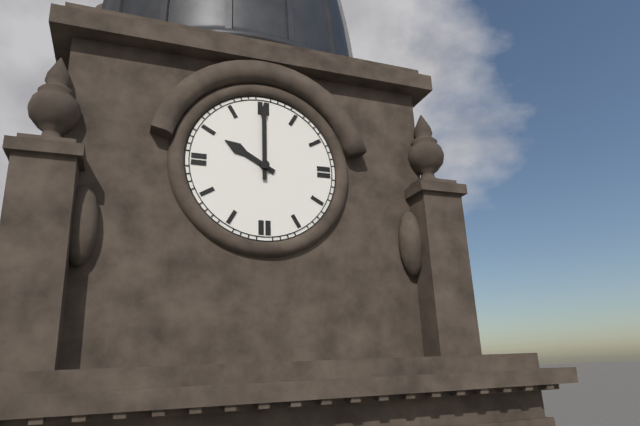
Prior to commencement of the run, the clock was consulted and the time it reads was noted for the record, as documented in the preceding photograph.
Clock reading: 10:00
